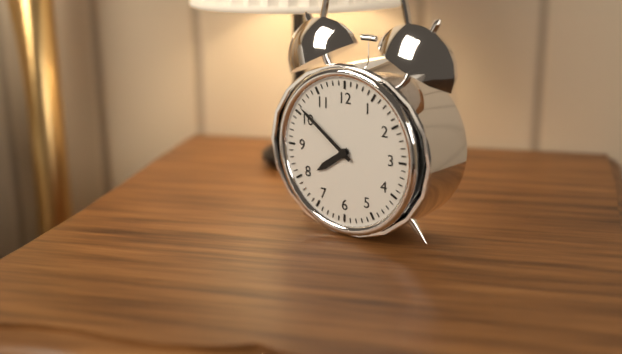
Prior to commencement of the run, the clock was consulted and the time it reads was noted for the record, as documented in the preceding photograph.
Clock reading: 7:51
